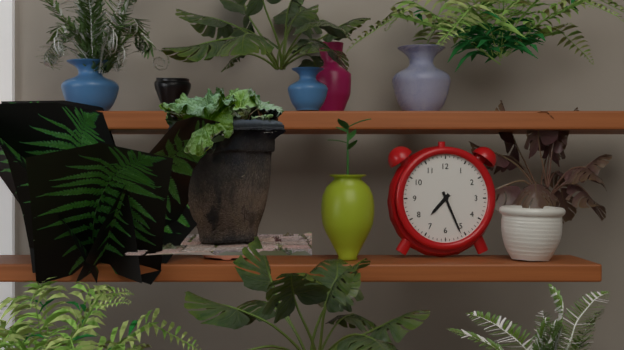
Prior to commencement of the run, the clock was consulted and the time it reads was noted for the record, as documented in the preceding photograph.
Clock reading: 7:26
